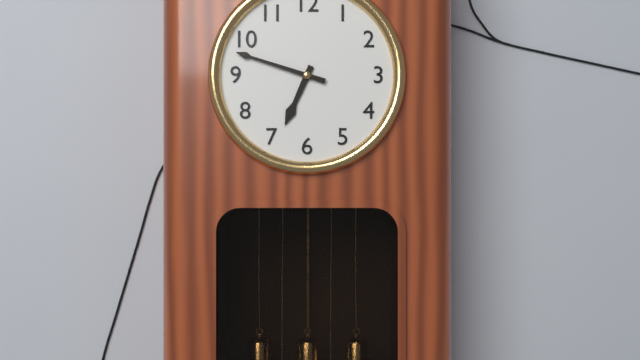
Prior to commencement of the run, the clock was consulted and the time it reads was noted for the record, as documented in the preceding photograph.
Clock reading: 6:48
